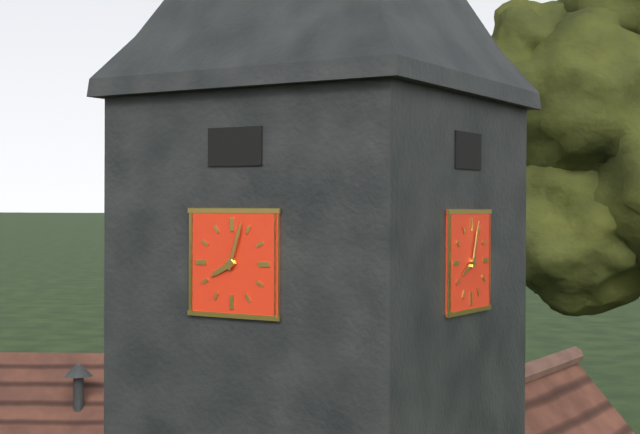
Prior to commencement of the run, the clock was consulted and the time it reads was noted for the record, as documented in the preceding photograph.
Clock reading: 8:03
